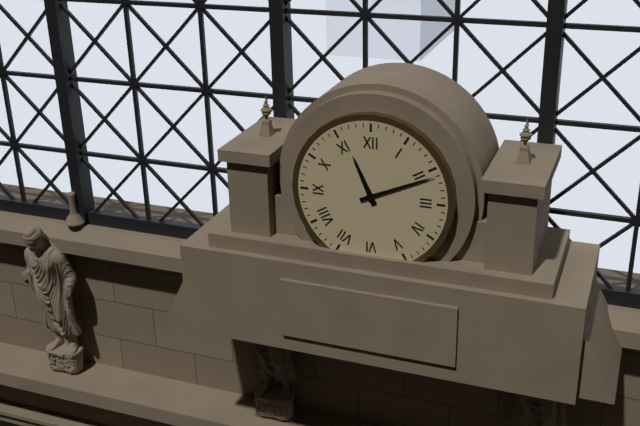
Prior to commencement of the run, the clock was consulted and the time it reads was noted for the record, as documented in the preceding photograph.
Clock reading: 11:11
